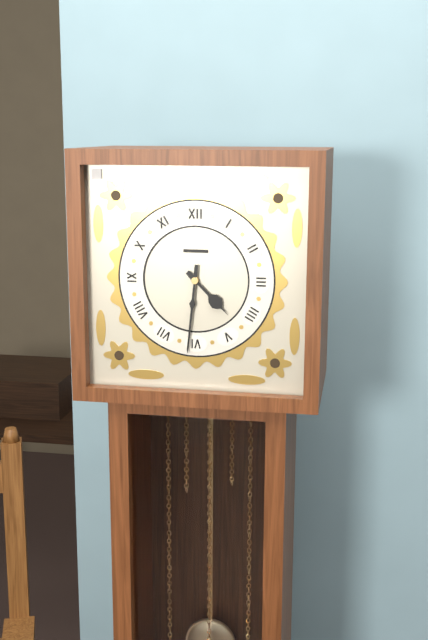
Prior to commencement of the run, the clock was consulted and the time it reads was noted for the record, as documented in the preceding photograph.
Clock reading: 4:31
